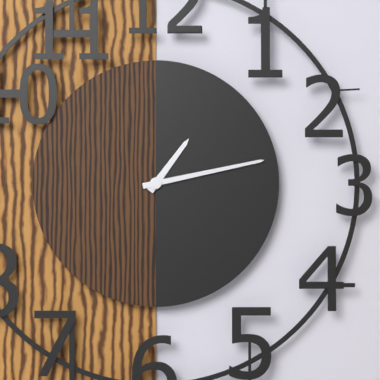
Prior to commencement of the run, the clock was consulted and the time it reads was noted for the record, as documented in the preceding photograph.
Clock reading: 1:13
